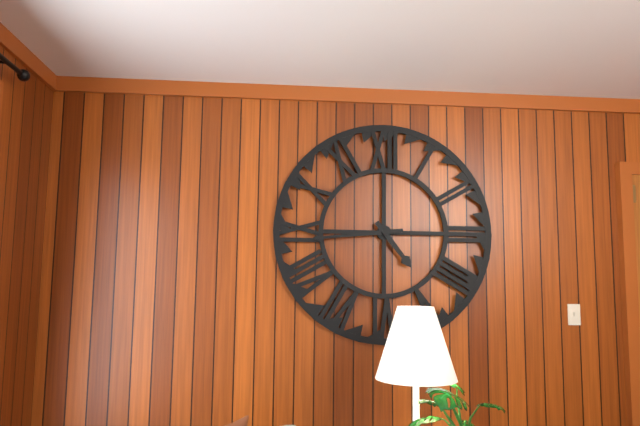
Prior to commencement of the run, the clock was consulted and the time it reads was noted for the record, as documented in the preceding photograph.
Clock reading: 4:44
